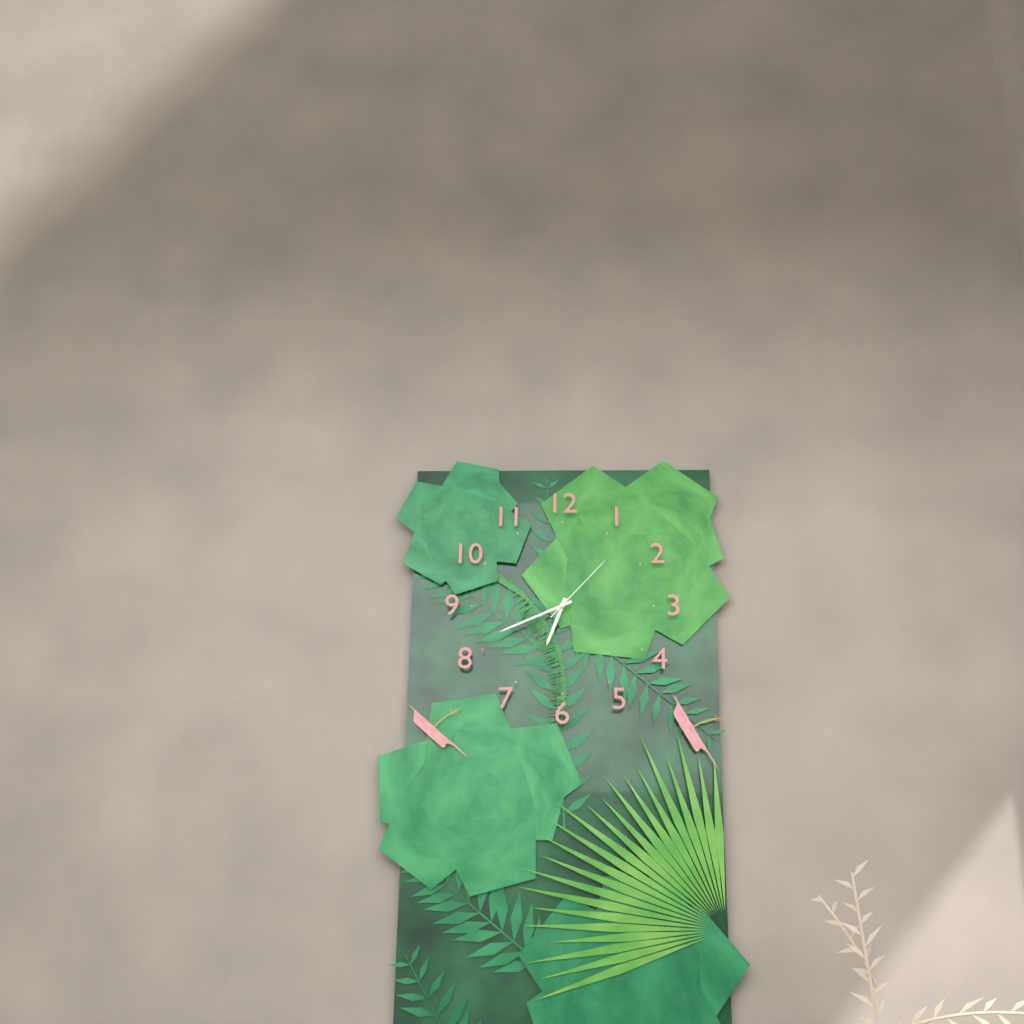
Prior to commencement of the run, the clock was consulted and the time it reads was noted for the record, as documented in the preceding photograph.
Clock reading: 6:41:07
